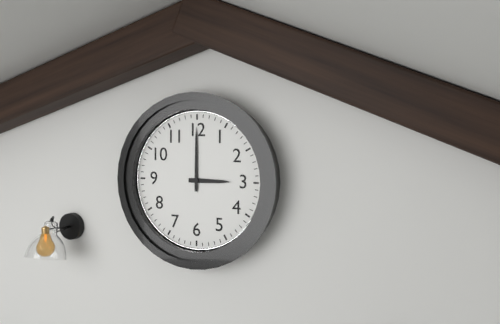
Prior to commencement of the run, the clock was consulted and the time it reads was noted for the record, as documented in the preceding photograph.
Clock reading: 3:00
